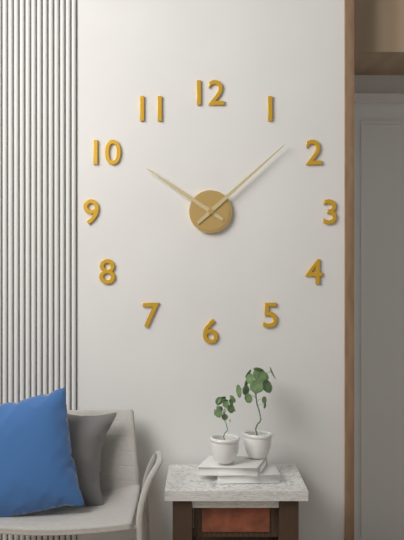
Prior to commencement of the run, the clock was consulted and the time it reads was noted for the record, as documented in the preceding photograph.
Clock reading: 10:08
